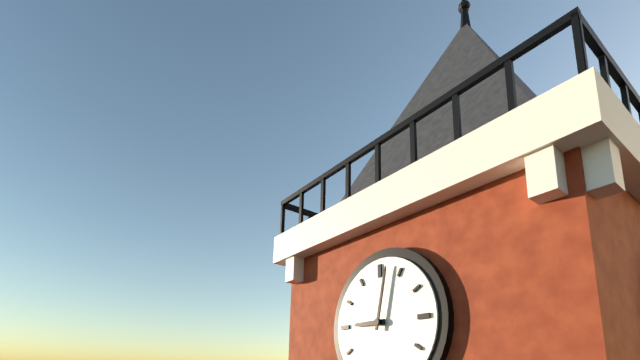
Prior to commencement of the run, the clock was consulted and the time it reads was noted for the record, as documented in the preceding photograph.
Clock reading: 9:02
